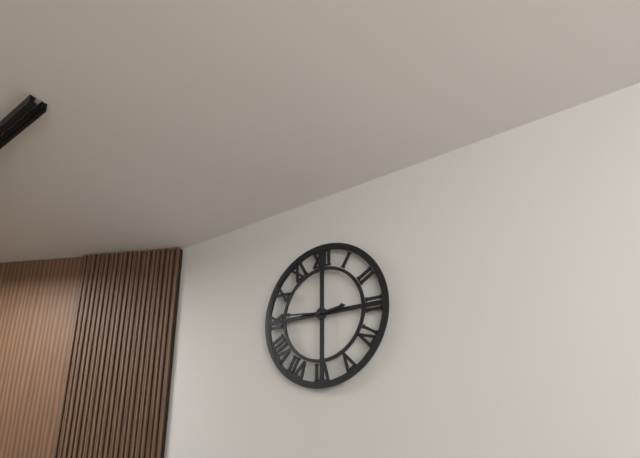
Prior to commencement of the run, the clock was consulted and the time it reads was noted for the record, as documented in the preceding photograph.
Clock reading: 2:46
